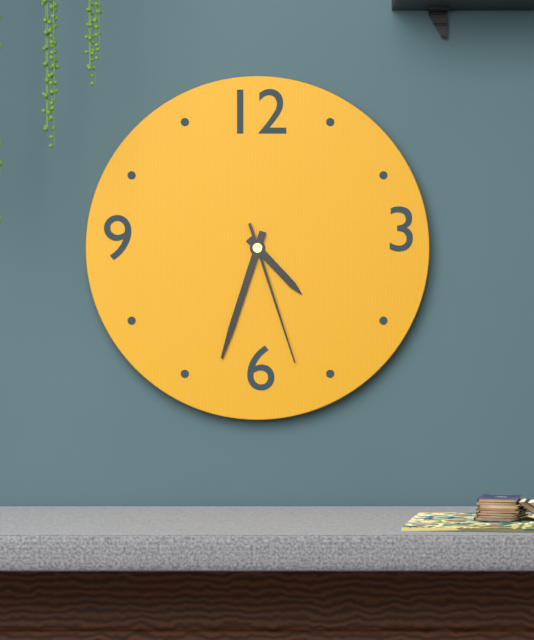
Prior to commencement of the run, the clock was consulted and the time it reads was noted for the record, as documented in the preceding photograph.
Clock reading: 4:33:27
